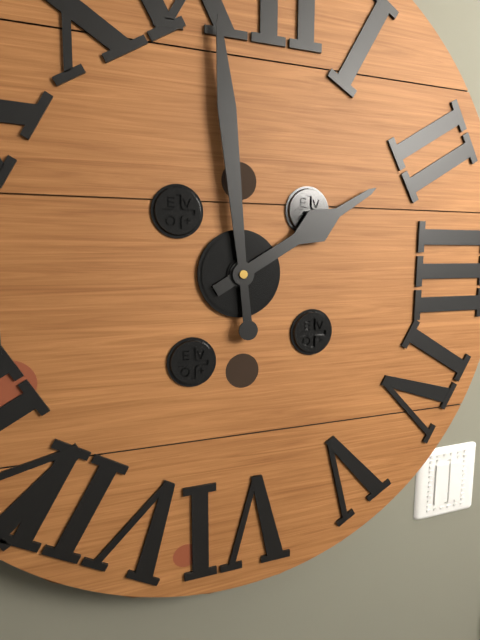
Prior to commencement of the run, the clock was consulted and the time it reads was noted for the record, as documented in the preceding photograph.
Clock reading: 1:59
